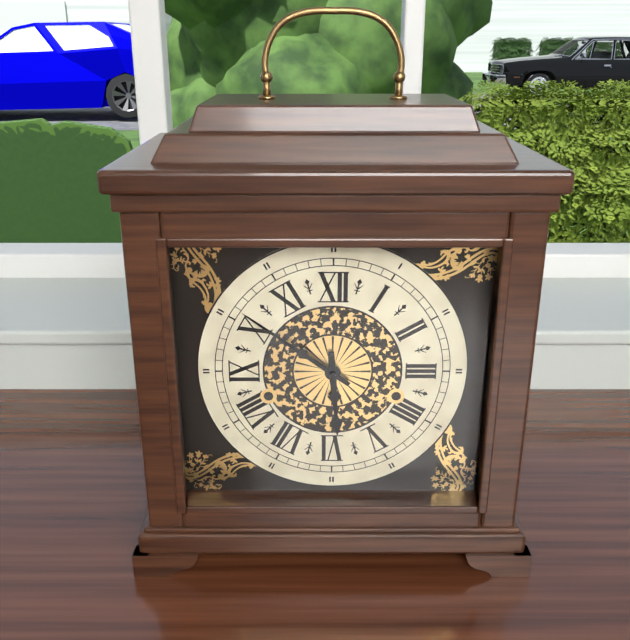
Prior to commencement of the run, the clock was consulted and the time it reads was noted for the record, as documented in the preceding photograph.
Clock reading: 5:51
